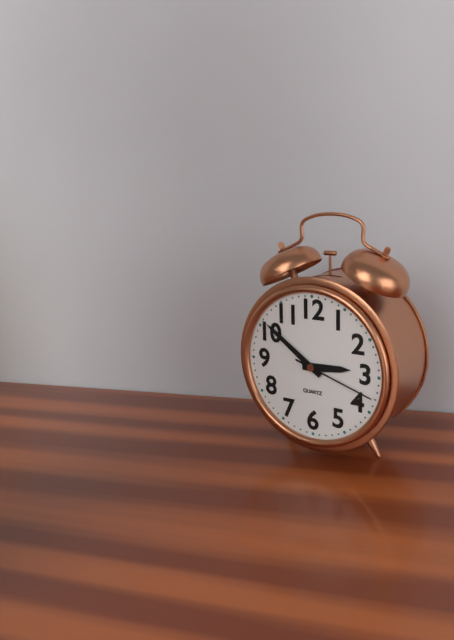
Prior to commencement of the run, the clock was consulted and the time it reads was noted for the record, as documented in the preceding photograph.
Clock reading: 2:51:18
